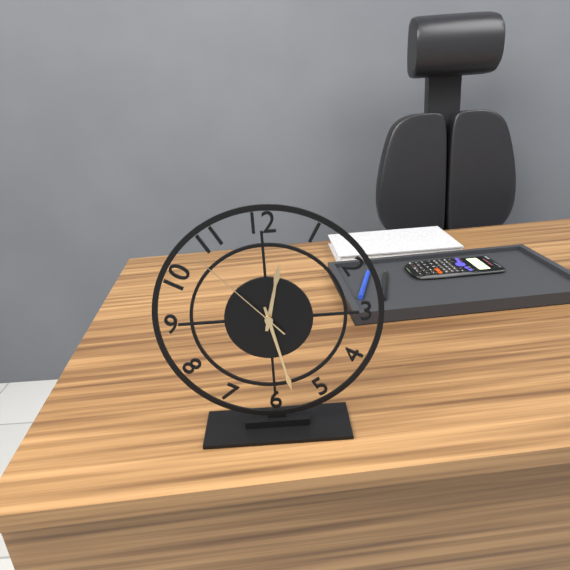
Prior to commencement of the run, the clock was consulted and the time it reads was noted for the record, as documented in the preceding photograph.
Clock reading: 12:28:53
